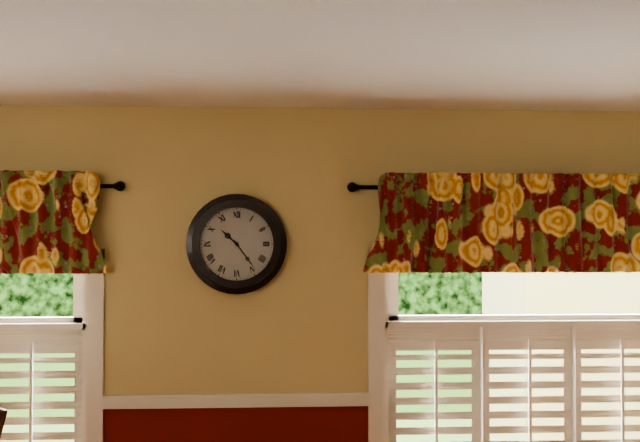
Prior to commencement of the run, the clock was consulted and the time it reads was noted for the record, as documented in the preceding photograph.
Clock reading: 10:24
